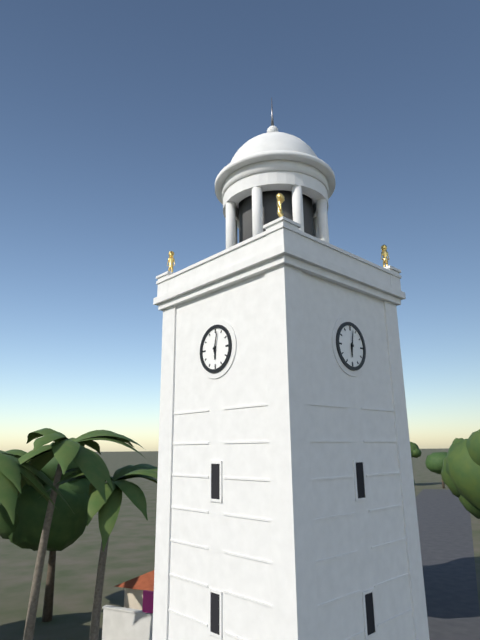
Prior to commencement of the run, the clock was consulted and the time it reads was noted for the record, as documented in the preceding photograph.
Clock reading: 6:02
